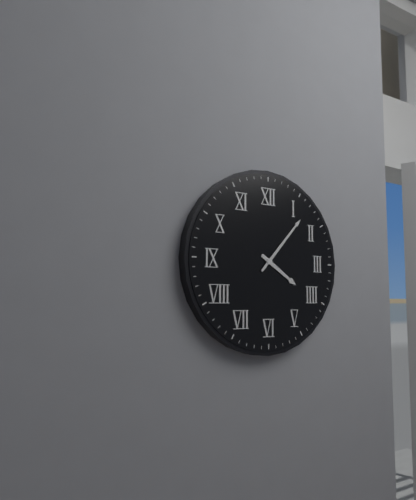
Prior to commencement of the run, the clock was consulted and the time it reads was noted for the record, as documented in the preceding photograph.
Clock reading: 4:07
